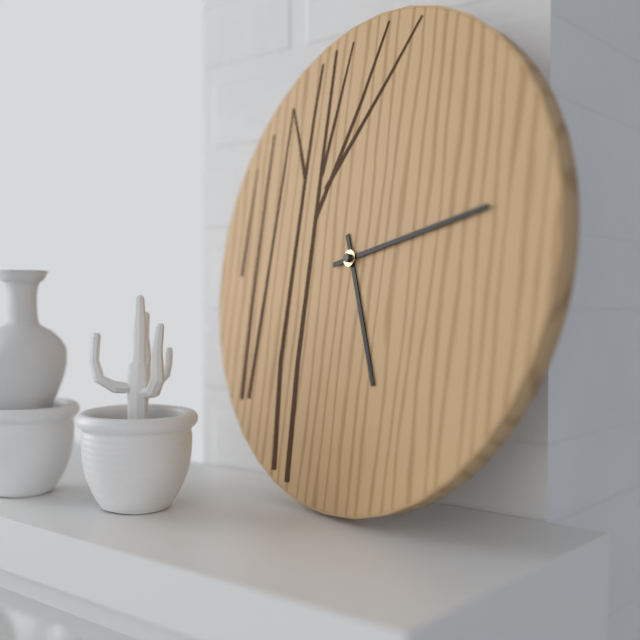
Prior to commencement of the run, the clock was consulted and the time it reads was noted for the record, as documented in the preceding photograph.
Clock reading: 5:13
